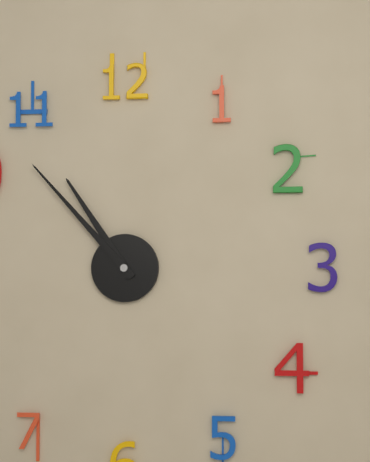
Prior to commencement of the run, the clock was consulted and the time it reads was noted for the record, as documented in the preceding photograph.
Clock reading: 10:53
